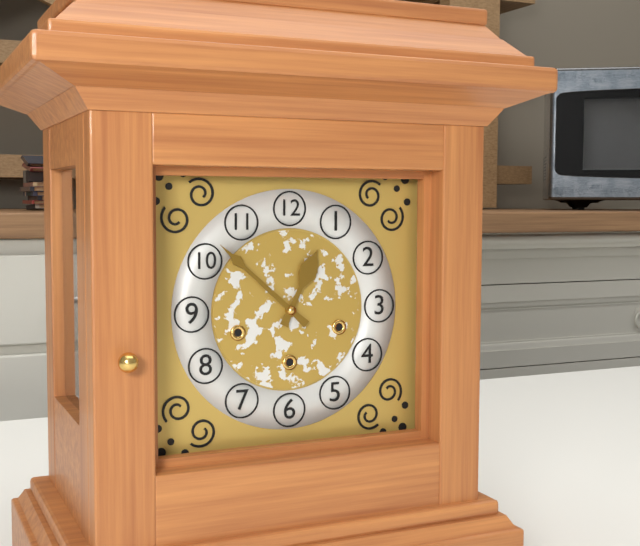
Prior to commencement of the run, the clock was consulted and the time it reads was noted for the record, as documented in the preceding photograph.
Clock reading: 12:52
